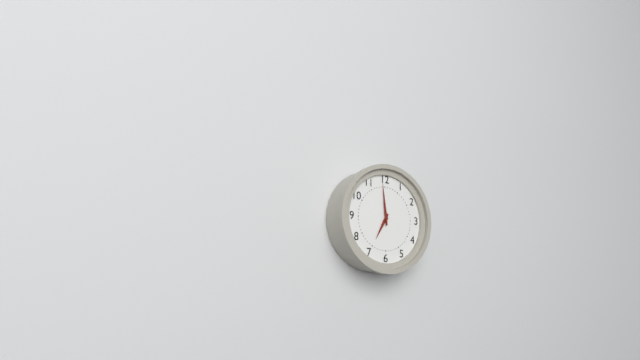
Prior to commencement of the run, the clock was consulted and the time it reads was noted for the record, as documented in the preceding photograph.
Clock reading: 6:59
